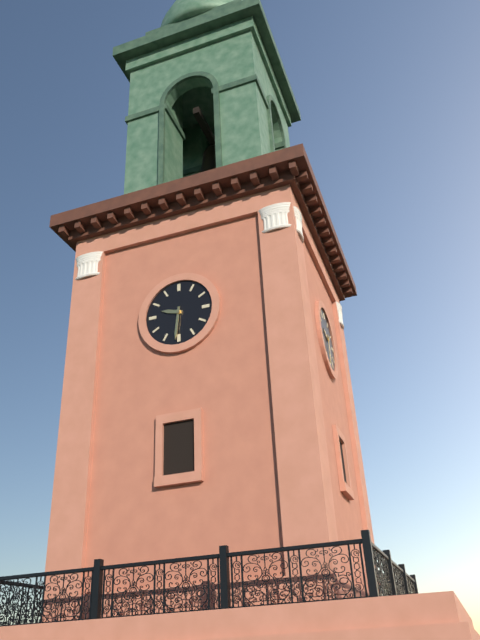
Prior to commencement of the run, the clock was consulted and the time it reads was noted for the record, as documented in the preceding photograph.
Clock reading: 9:31
